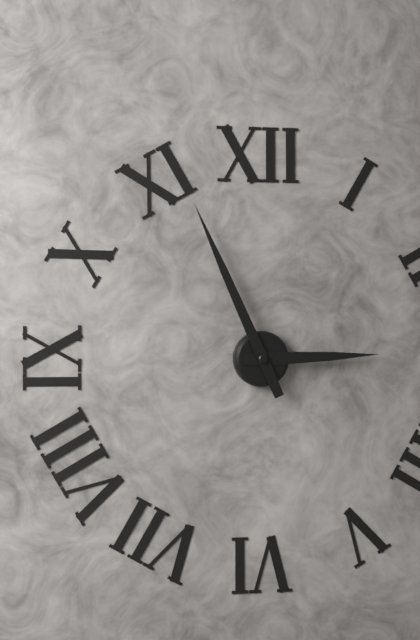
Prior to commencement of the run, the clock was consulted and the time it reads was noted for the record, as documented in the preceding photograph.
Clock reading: 2:56
